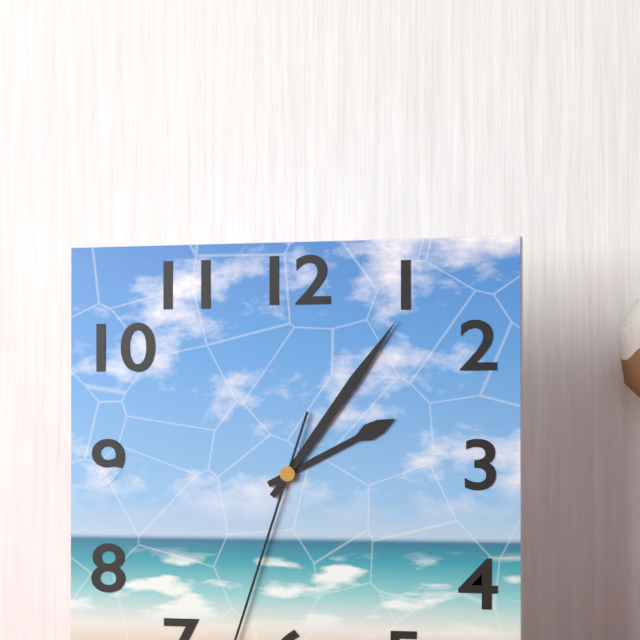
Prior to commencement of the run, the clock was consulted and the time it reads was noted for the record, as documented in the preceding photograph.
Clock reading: 2:06
